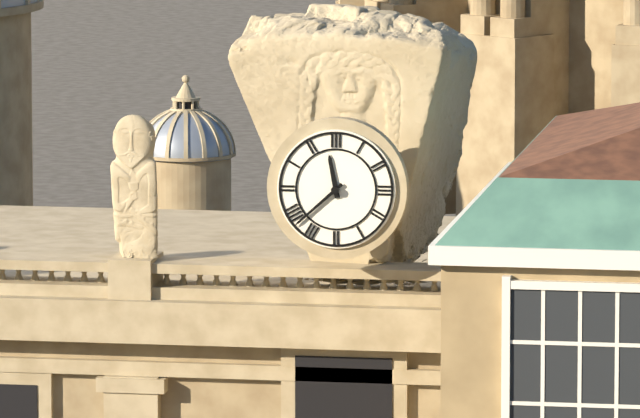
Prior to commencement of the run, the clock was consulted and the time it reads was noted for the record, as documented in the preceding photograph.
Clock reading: 11:38
